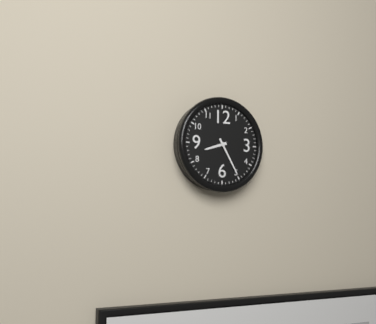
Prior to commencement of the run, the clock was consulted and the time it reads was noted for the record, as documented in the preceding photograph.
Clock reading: 8:25
